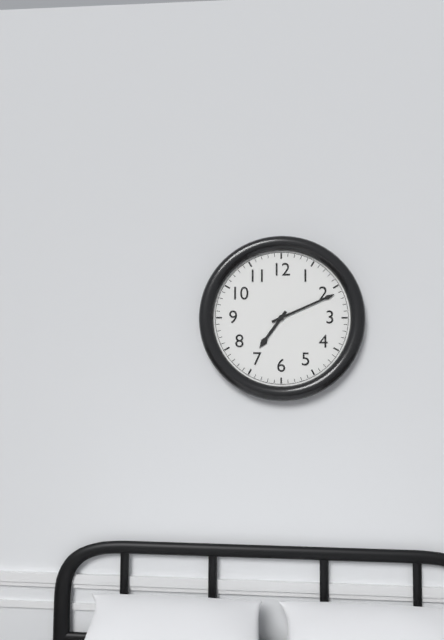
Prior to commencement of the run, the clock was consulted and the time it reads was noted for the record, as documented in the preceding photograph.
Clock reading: 7:11
